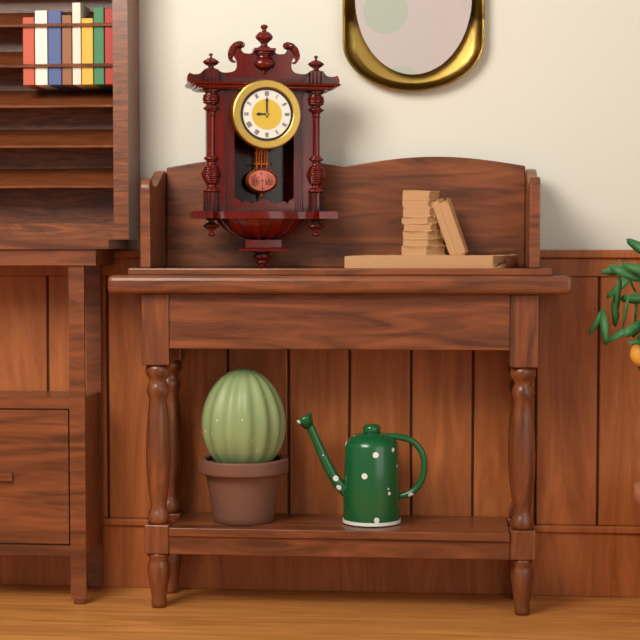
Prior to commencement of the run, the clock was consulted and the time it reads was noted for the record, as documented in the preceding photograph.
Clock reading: 9:00
